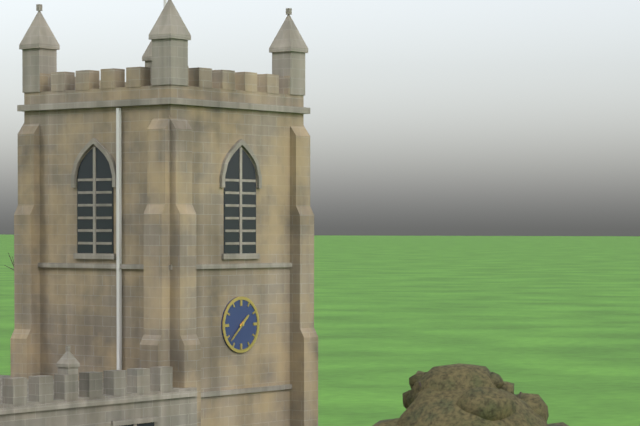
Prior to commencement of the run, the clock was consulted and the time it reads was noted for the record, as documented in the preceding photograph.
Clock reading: 1:38
